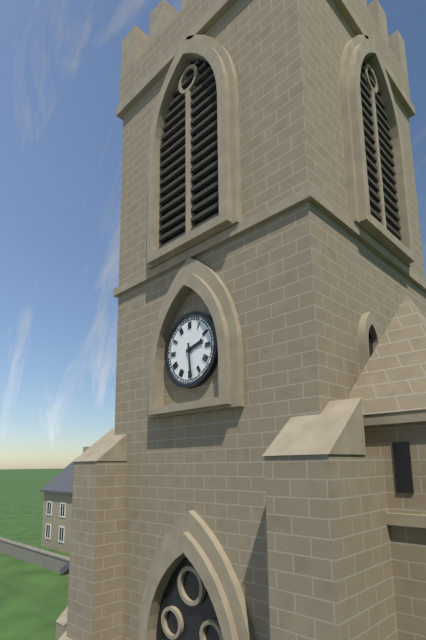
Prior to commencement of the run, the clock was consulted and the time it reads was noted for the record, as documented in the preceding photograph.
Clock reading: 2:29
